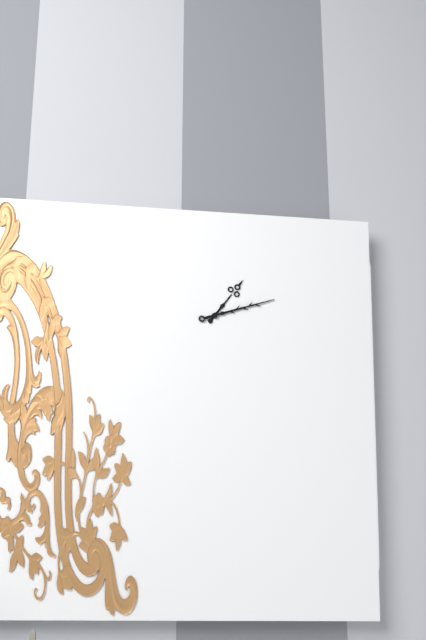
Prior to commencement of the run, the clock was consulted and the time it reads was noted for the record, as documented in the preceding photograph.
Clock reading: 1:12
